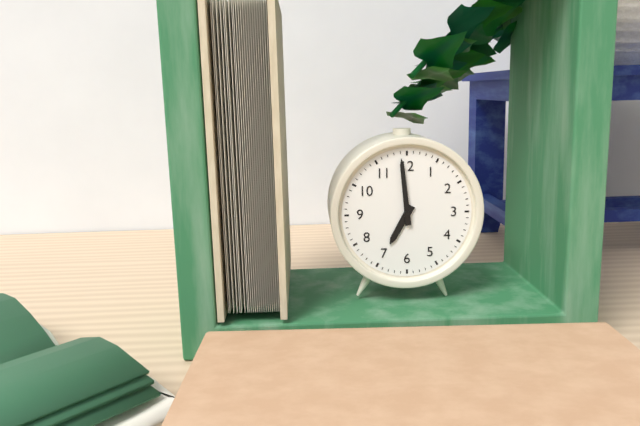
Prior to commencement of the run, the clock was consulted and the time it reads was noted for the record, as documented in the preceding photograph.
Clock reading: 6:59
